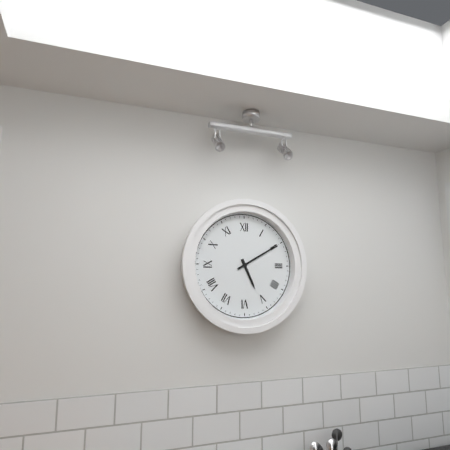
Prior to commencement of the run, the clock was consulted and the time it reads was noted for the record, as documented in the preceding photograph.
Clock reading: 5:10
